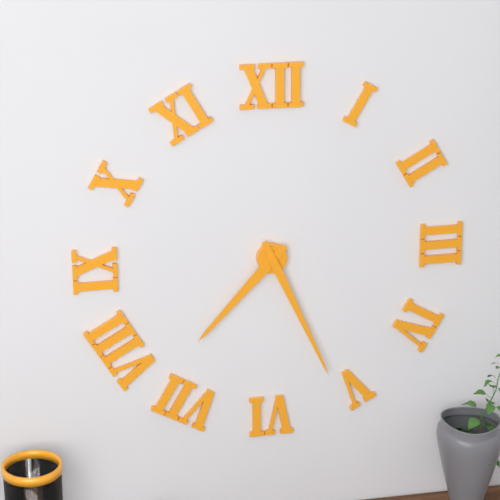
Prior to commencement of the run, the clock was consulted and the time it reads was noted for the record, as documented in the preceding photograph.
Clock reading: 7:26
